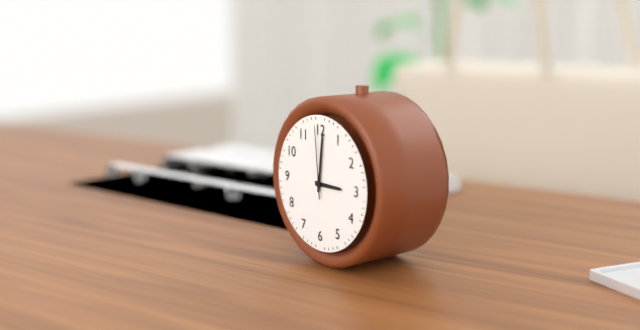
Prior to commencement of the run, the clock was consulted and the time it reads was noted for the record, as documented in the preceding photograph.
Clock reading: 3:01:59
